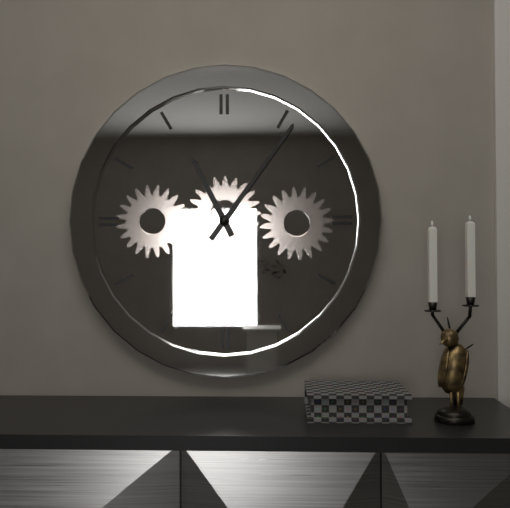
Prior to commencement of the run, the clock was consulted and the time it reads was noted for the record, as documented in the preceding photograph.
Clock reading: 11:06
